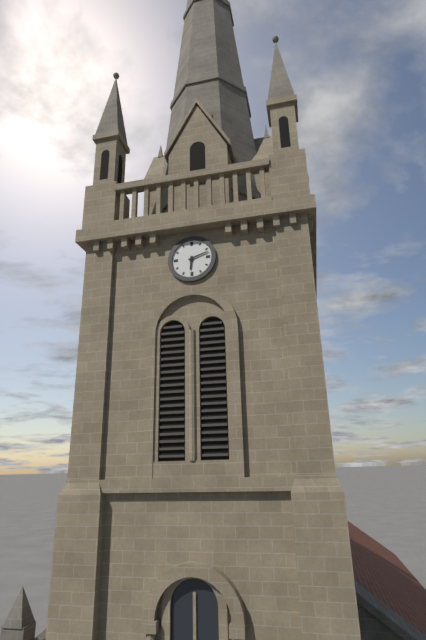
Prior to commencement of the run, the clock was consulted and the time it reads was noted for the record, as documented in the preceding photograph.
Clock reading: 6:12
